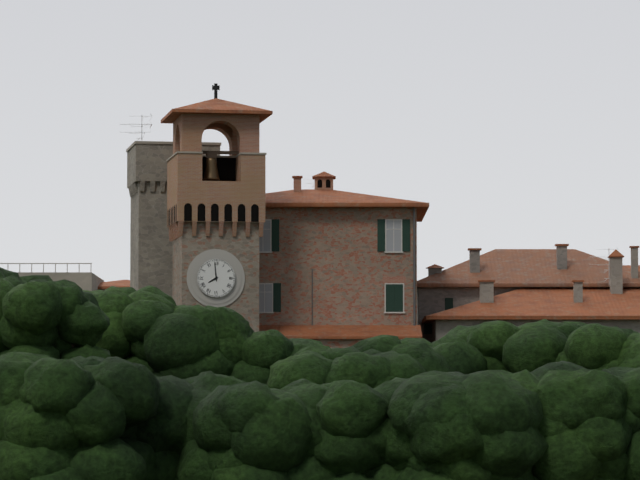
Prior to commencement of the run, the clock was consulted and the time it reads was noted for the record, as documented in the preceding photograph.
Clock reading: 7:59
